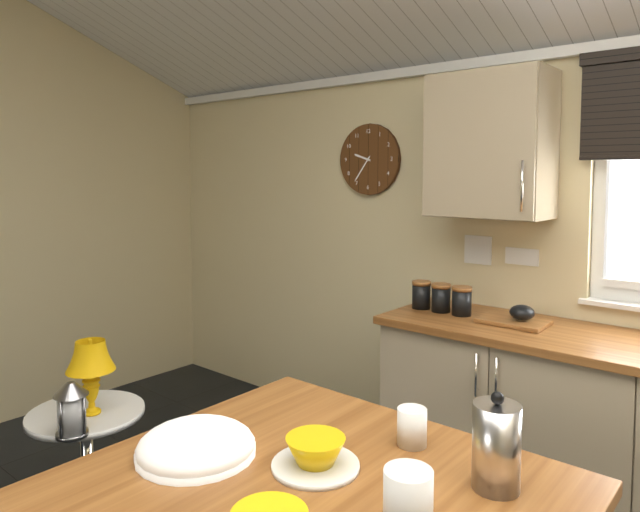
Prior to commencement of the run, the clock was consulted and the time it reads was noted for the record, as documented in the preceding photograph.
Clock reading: 9:36
